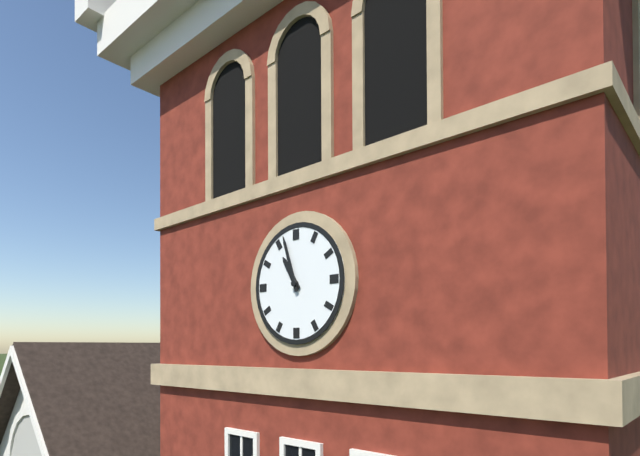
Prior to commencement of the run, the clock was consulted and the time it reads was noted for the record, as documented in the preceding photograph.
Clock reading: 10:57
